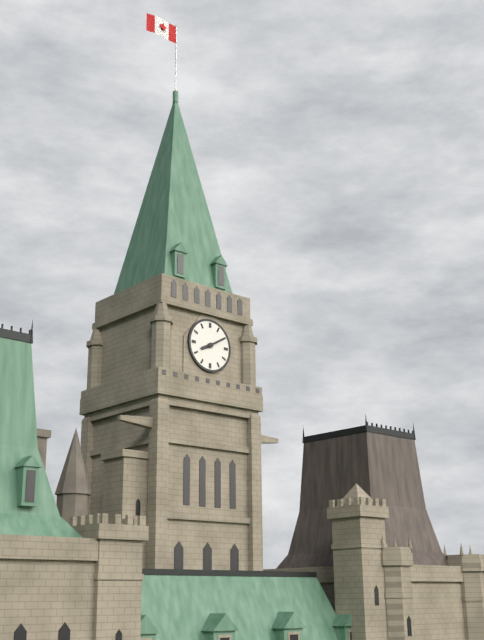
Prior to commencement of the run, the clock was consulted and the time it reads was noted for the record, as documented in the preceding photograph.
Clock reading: 8:10
